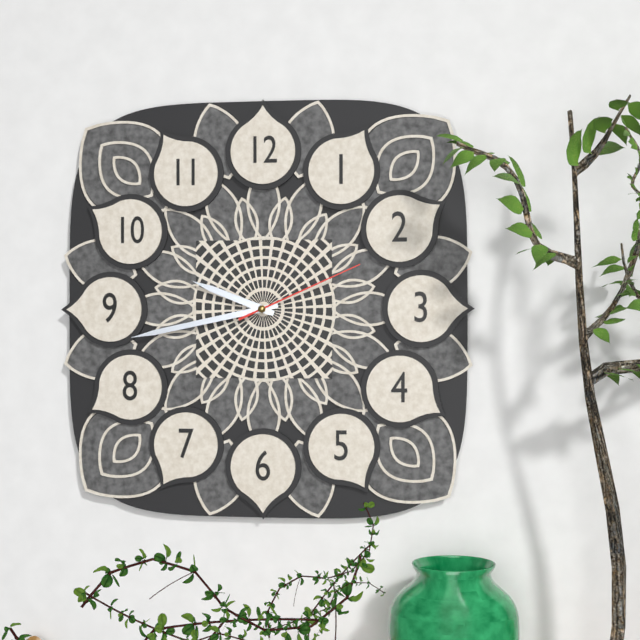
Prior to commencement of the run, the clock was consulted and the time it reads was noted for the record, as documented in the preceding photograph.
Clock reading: 9:43:11
